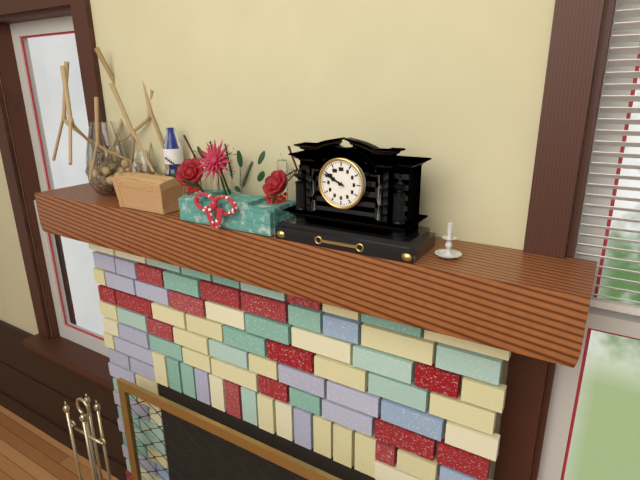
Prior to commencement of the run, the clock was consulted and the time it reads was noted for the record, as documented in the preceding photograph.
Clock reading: 9:49
